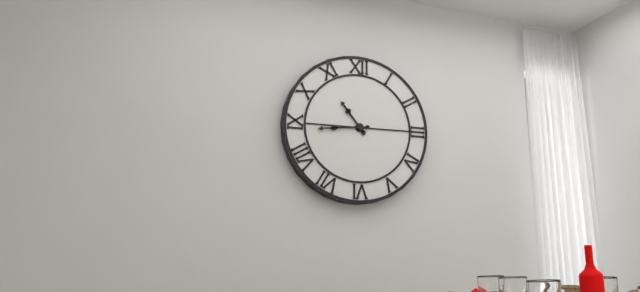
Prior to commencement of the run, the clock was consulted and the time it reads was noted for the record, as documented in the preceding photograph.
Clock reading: 10:44
